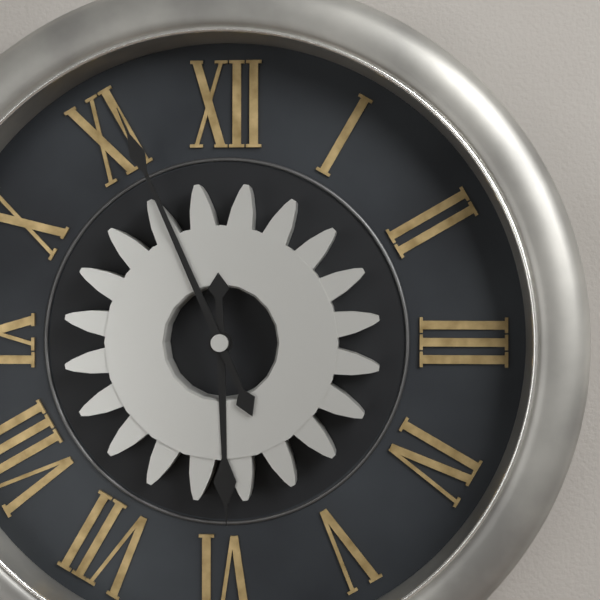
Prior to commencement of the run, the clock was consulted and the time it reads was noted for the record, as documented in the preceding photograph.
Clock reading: 5:56
